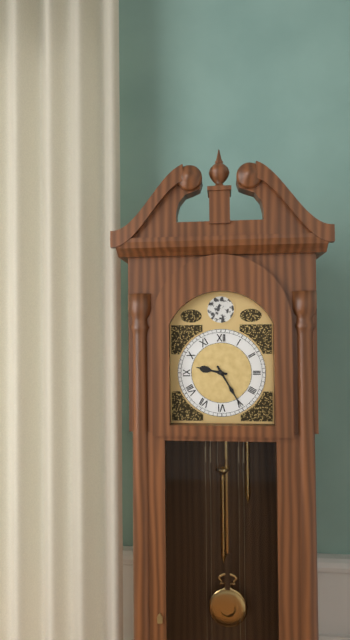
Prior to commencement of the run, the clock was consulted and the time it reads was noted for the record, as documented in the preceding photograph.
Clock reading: 9:25
